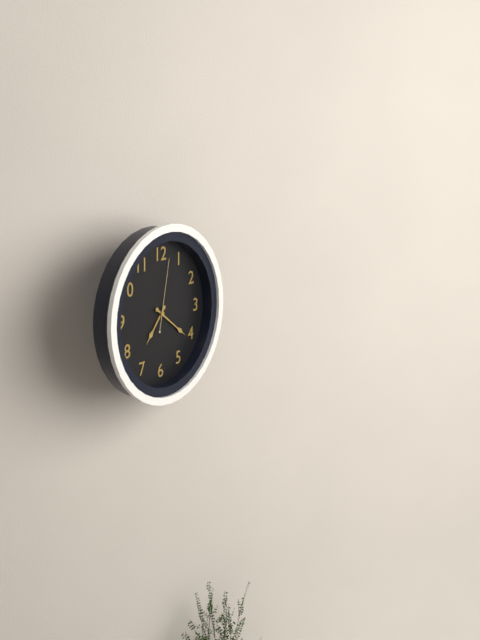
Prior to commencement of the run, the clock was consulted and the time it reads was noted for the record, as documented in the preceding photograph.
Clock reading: 7:21:02
